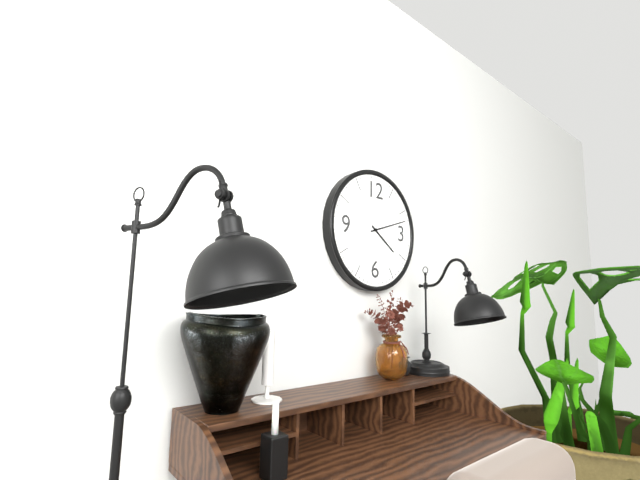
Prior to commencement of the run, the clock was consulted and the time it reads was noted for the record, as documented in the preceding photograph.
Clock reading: 4:12
